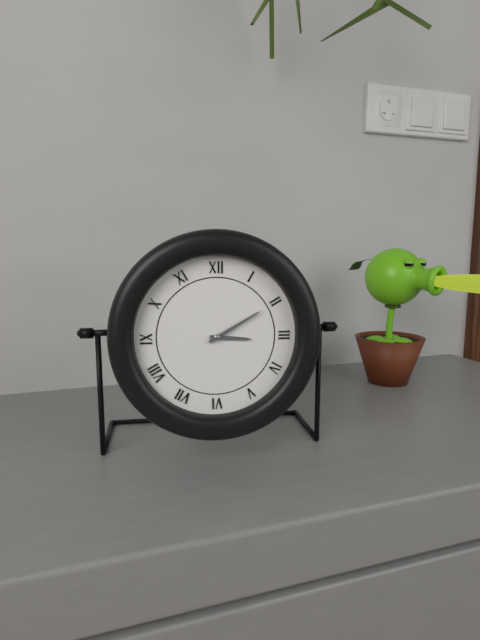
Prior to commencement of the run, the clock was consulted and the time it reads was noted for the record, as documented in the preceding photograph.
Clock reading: 3:10
